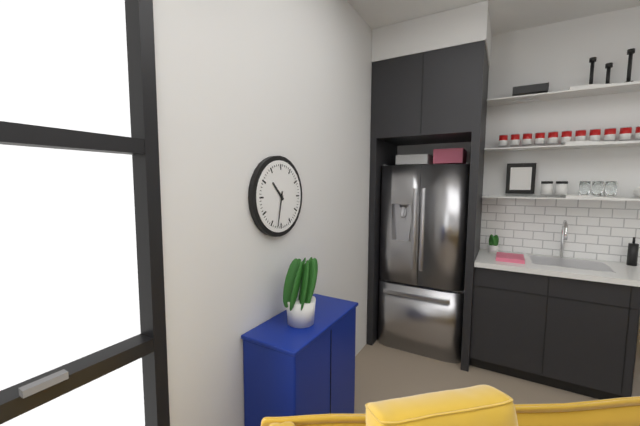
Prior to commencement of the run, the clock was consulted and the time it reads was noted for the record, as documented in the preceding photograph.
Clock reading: 10:32
